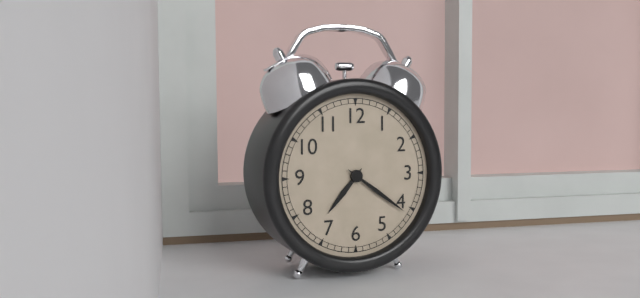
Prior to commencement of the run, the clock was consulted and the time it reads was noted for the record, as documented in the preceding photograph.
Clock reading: 7:21
